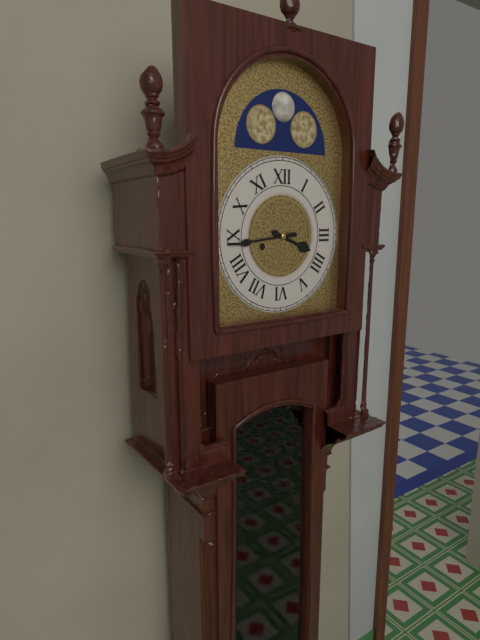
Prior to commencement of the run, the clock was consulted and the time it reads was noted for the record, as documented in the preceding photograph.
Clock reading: 3:44
